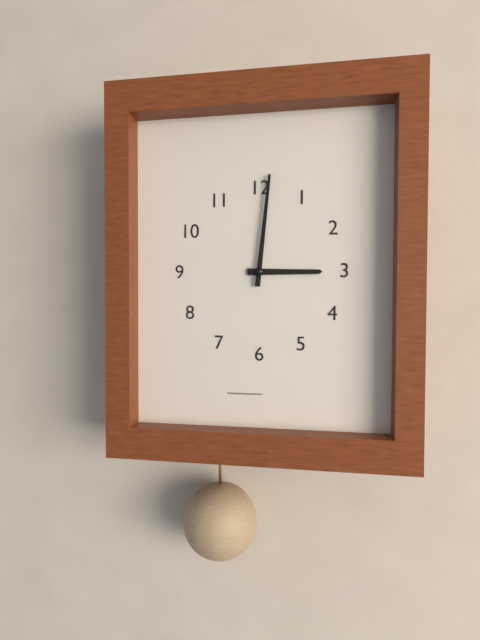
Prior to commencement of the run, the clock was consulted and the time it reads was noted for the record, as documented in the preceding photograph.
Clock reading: 3:01
